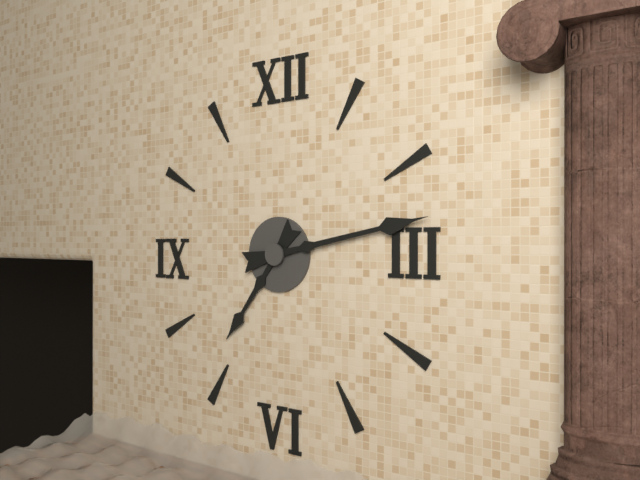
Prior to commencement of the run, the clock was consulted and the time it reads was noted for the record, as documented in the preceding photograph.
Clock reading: 7:13
